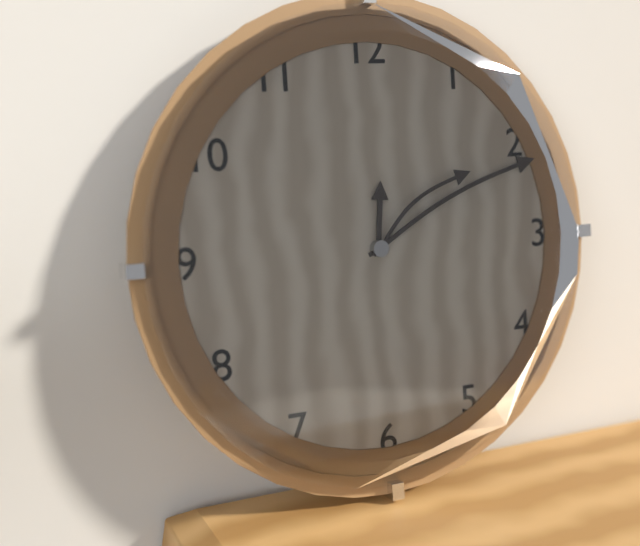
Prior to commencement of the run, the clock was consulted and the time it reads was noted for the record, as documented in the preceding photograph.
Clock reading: 12:11:09
